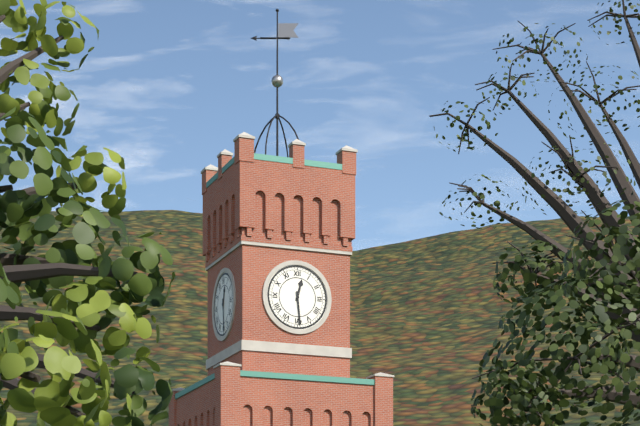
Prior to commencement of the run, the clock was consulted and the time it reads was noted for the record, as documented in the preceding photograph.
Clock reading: 12:29
